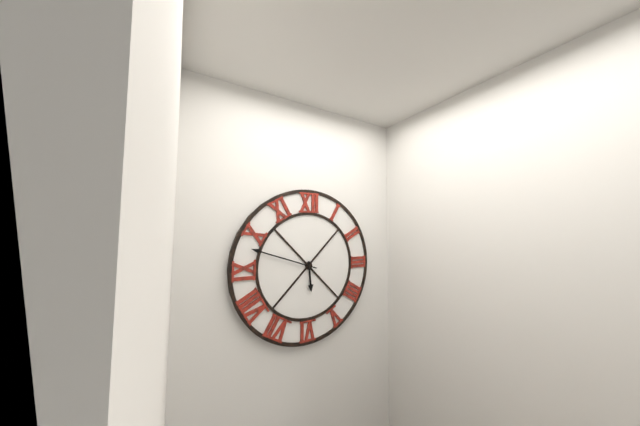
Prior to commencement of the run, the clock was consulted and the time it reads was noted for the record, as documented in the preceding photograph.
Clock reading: 5:48
